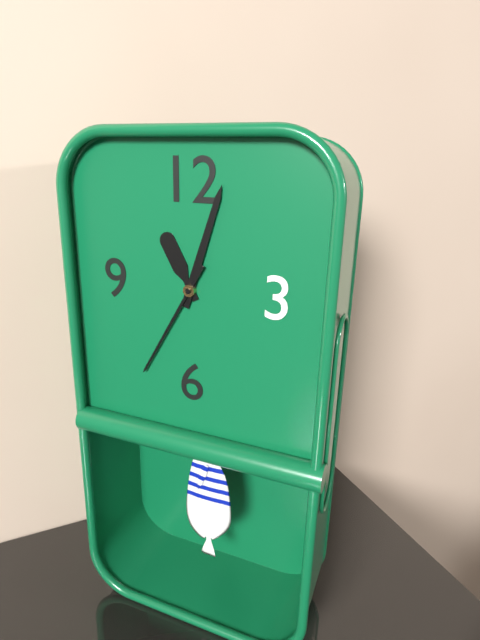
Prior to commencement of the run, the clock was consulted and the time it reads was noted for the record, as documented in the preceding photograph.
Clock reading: 11:03:35
